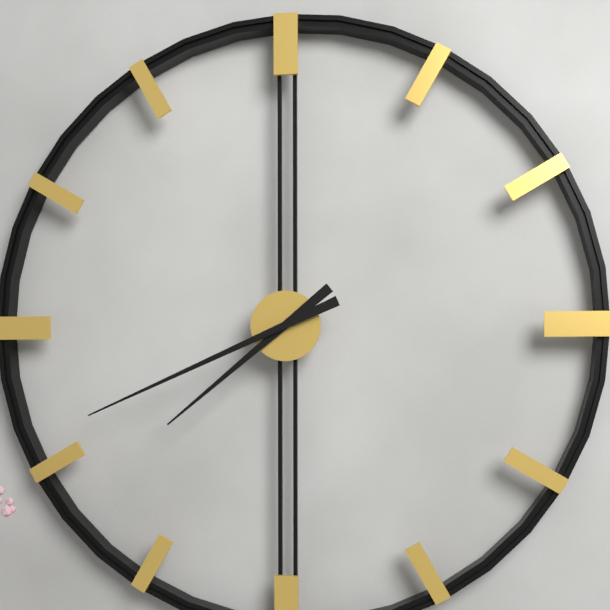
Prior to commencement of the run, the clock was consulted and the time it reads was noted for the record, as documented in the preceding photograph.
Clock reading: 7:41
